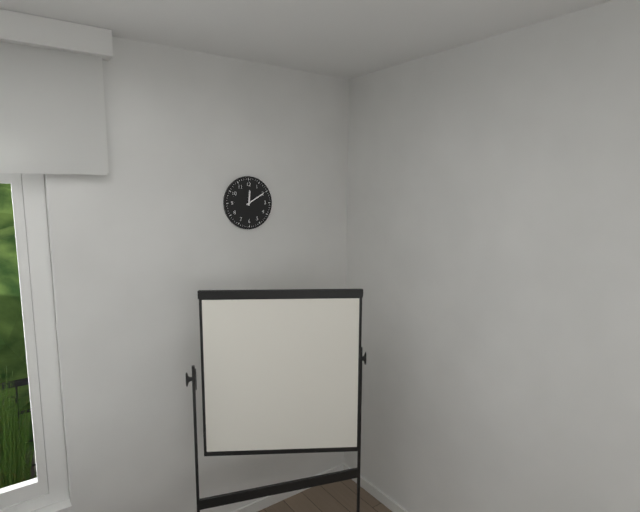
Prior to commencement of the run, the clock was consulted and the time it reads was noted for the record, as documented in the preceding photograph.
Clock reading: 12:10
